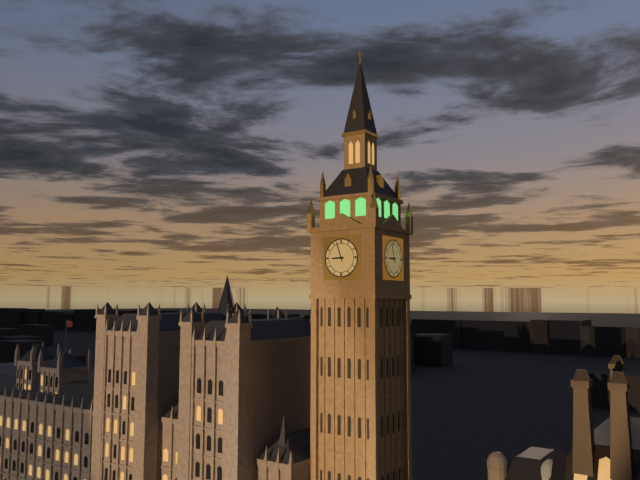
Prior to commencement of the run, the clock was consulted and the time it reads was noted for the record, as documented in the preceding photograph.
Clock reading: 8:57
